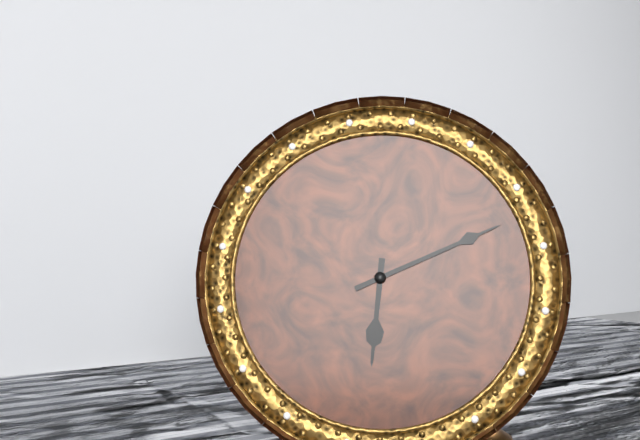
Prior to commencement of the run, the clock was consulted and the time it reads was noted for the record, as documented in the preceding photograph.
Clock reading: 6:11
